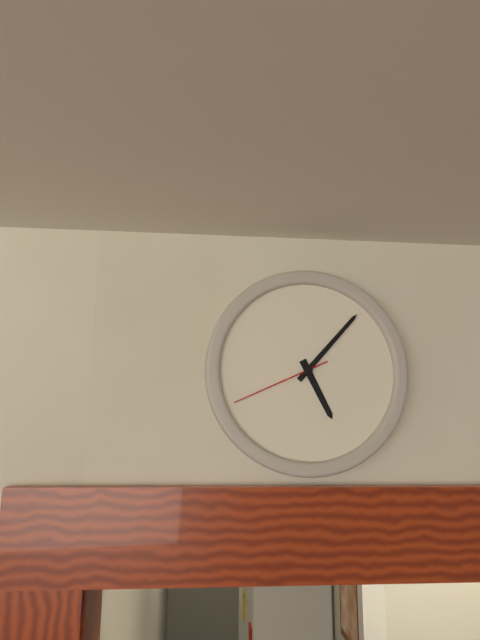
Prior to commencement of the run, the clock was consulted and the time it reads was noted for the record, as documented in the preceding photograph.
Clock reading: 5:07:41
